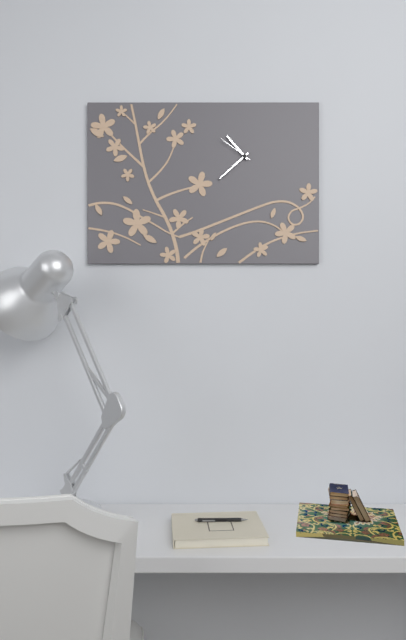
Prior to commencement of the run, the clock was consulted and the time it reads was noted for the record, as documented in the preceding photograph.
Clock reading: 10:38
